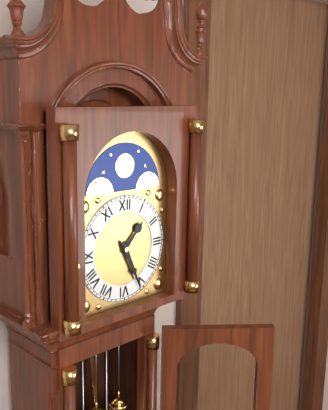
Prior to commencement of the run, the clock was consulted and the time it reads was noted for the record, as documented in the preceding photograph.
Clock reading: 1:26
